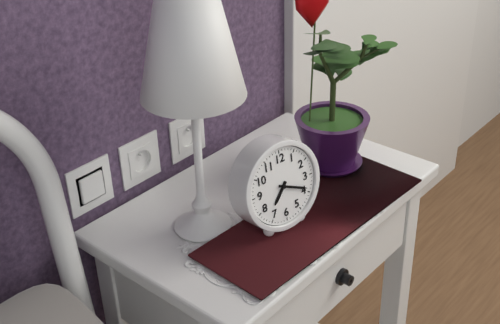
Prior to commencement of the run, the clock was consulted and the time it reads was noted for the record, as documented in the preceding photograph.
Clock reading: 7:19
